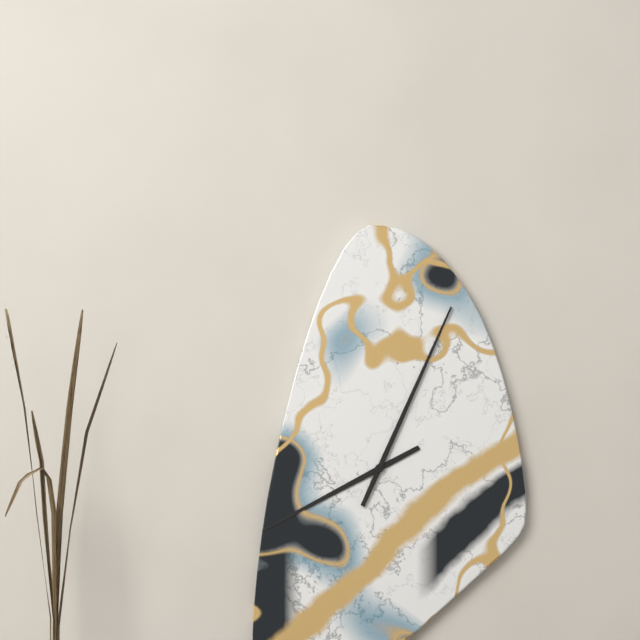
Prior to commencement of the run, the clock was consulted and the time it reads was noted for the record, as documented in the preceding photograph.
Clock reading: 8:04
